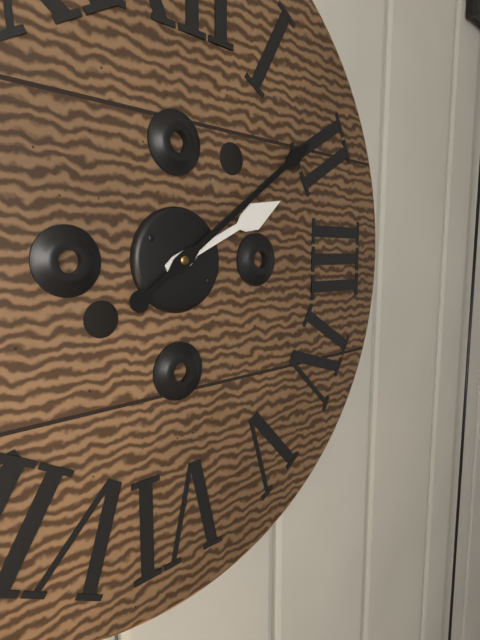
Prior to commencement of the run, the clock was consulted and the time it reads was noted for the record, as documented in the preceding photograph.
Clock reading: 2:09
